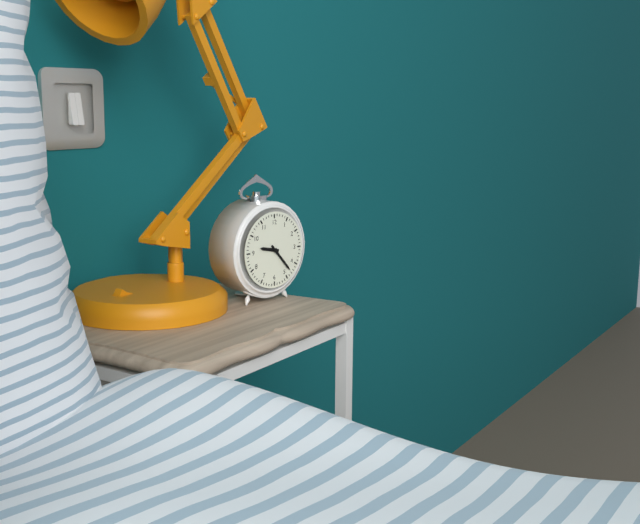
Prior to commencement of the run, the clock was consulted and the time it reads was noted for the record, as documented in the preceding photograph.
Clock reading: 9:23
